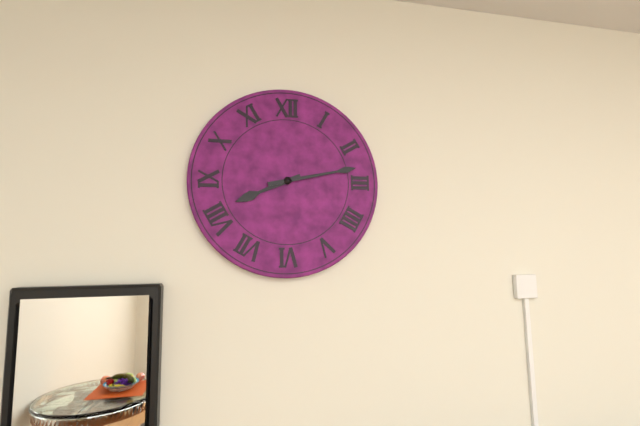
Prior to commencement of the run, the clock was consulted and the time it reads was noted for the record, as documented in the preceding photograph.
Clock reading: 8:13
